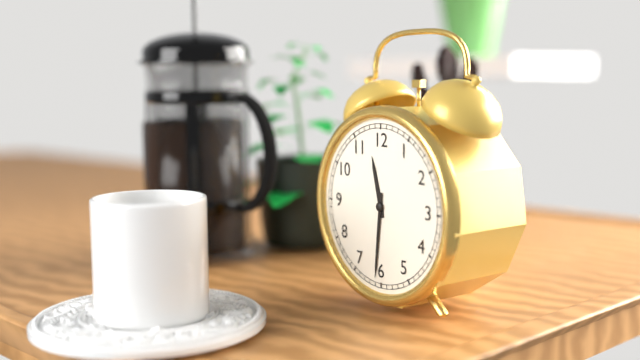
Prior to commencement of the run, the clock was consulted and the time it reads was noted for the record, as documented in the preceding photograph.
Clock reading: 11:31
